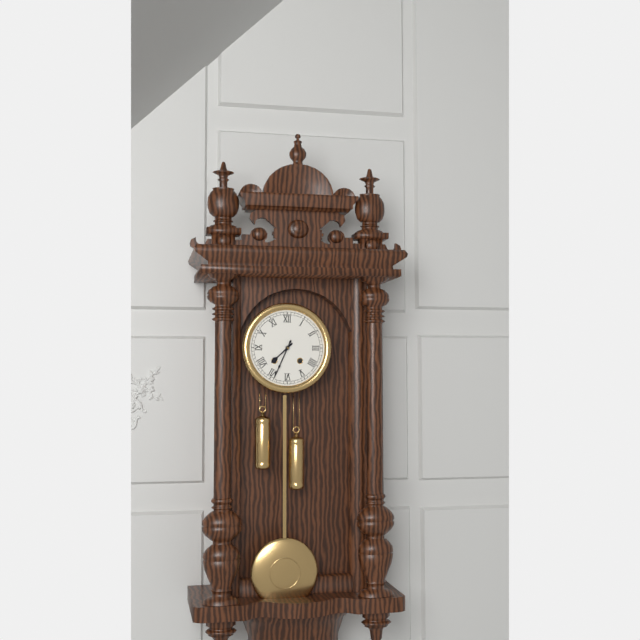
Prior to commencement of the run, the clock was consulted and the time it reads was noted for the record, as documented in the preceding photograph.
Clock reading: 7:34
